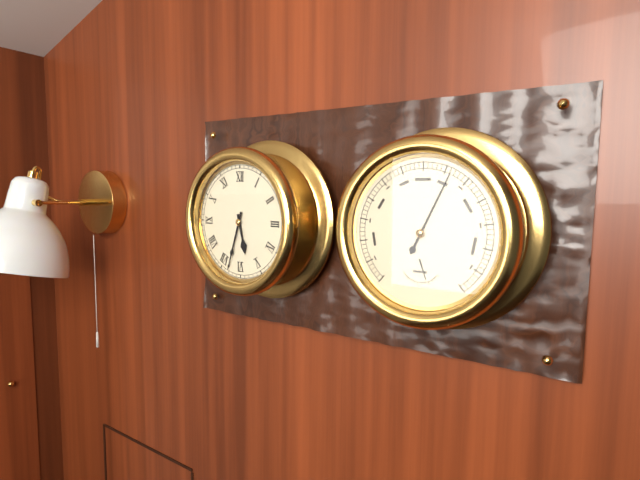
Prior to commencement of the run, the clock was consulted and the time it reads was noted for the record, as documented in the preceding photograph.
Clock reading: 5:33
